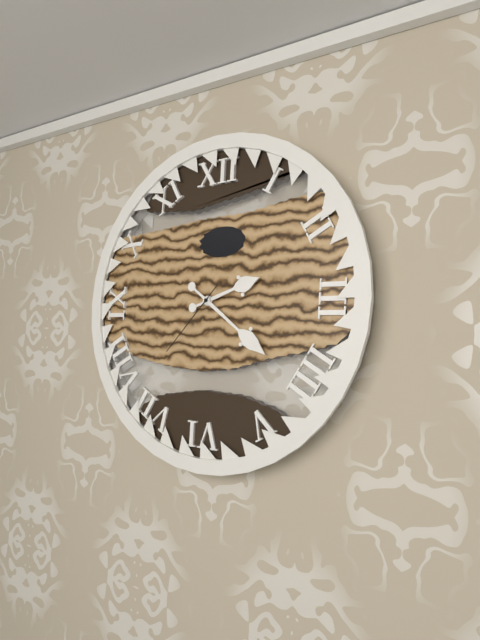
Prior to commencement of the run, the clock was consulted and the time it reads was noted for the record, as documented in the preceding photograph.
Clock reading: 2:21:37
